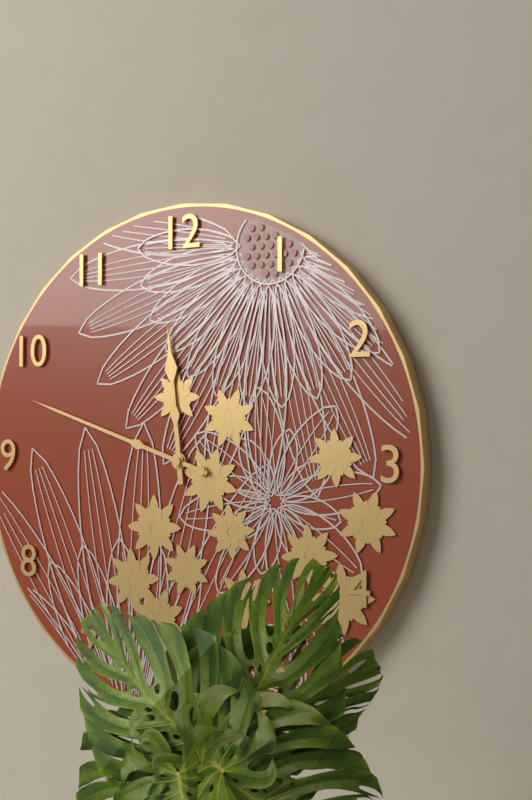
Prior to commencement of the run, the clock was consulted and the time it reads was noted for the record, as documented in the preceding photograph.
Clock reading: 11:48
